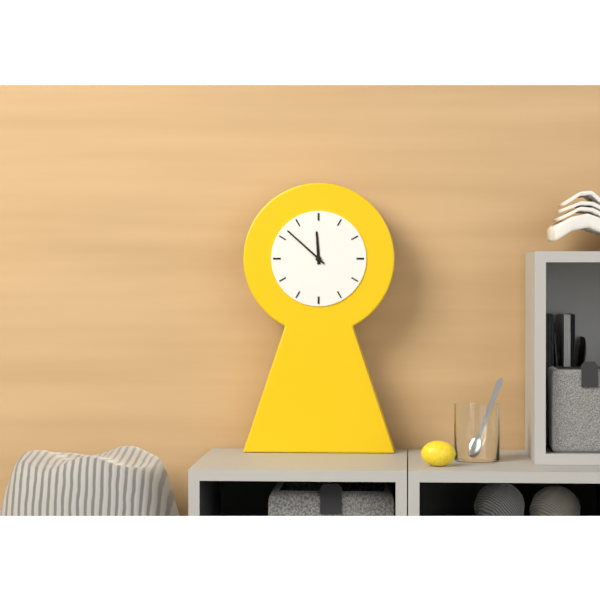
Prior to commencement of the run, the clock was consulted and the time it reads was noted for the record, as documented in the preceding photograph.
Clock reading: 11:52
